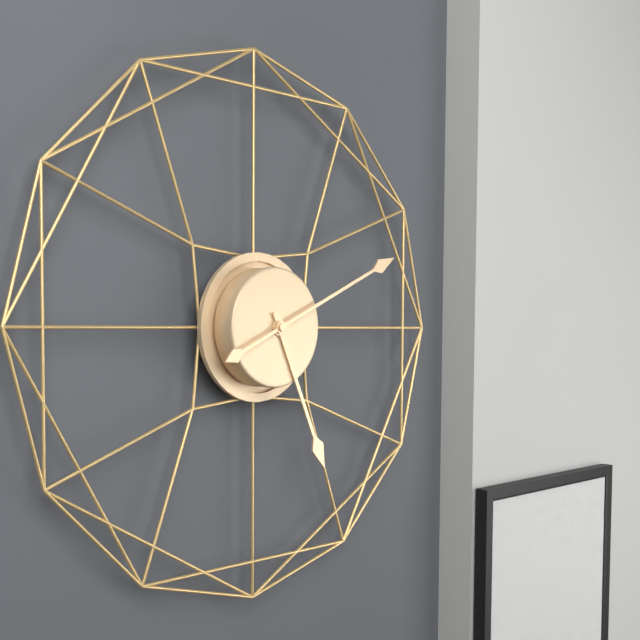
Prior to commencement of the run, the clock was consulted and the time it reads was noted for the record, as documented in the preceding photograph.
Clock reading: 5:11
